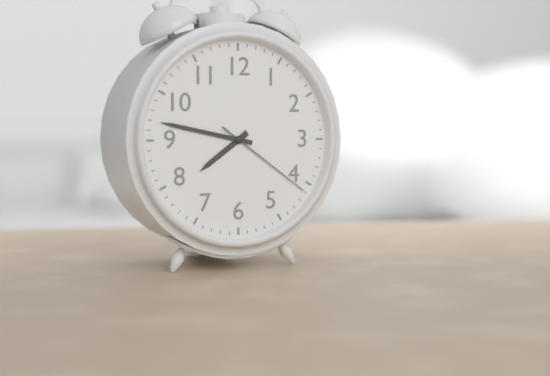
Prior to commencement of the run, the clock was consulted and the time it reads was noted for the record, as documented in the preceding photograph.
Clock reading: 7:47:21
